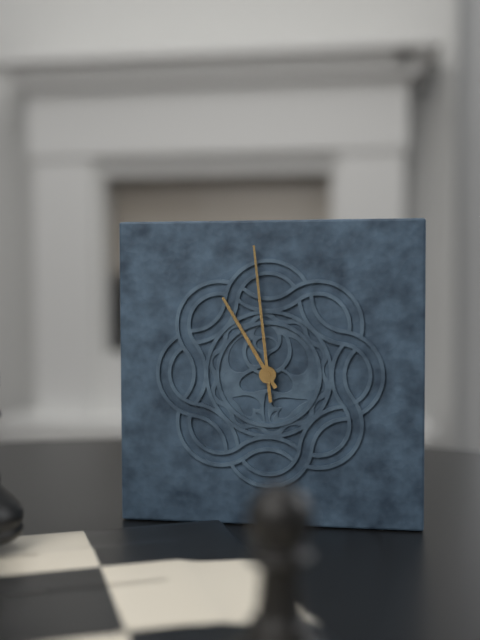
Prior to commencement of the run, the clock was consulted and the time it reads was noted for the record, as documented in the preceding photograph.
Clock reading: 10:59
